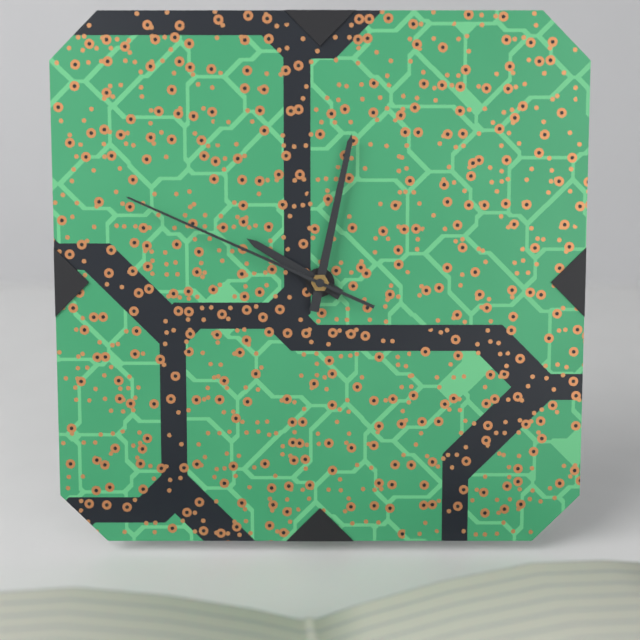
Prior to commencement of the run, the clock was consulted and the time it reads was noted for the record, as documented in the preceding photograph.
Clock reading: 10:02:49
